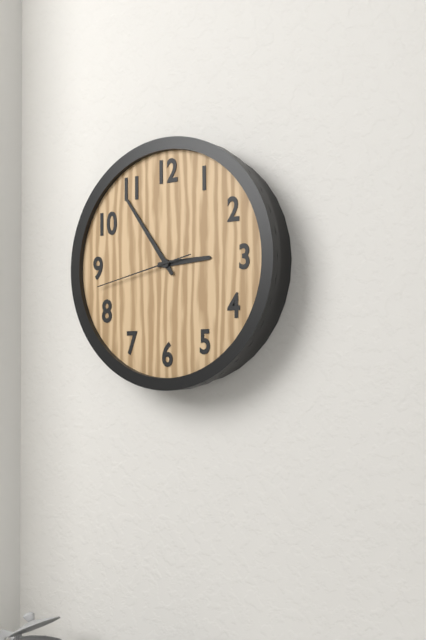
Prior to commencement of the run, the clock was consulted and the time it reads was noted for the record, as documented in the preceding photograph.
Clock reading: 2:54:43
